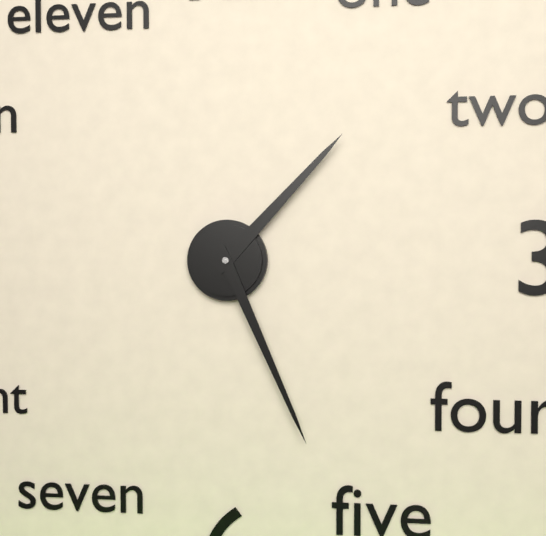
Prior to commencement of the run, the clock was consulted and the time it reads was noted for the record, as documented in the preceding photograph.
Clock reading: 1:26
